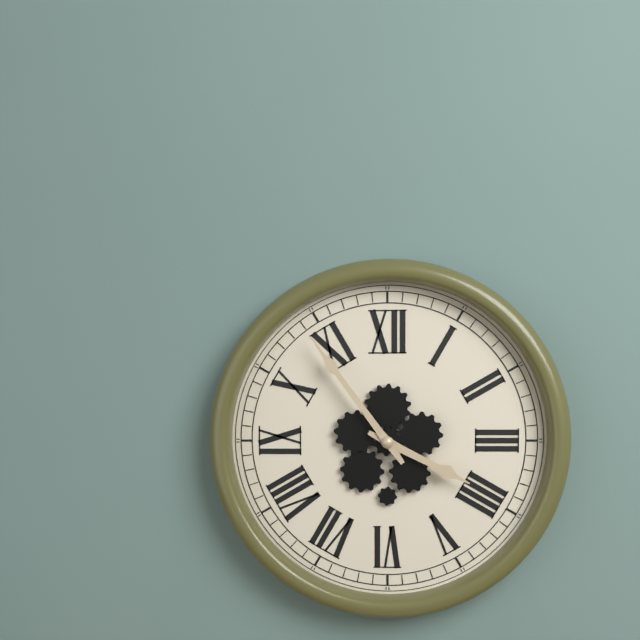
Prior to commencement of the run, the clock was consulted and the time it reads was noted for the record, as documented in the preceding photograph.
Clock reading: 3:54
